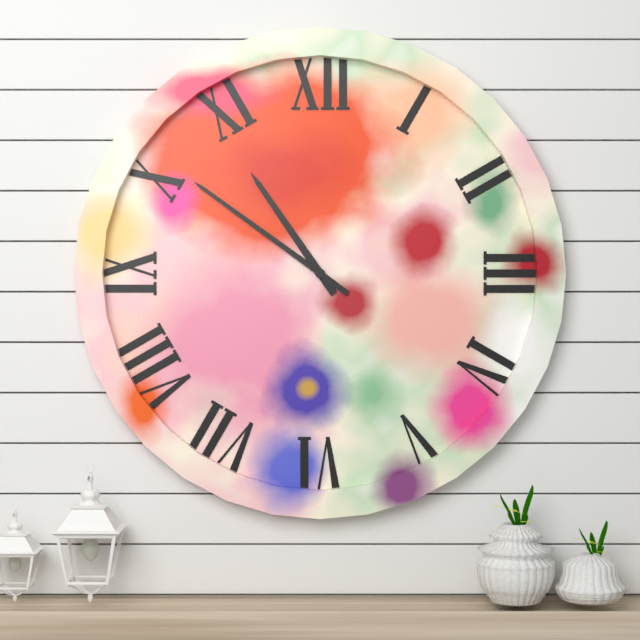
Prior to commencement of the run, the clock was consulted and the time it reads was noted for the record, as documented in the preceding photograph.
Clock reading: 10:51
